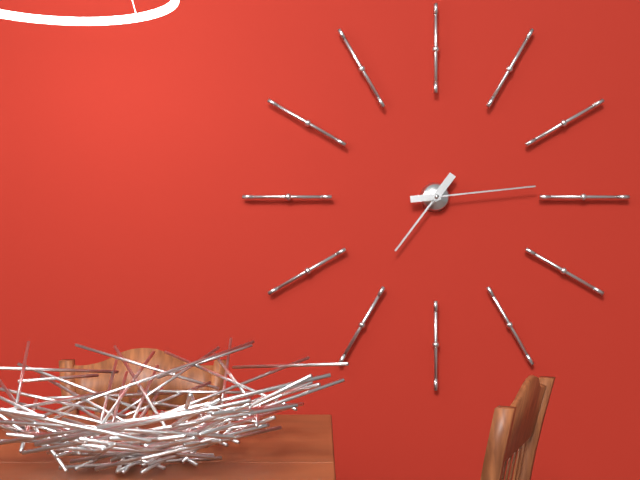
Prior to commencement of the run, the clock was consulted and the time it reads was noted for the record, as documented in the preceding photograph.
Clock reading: 7:14
